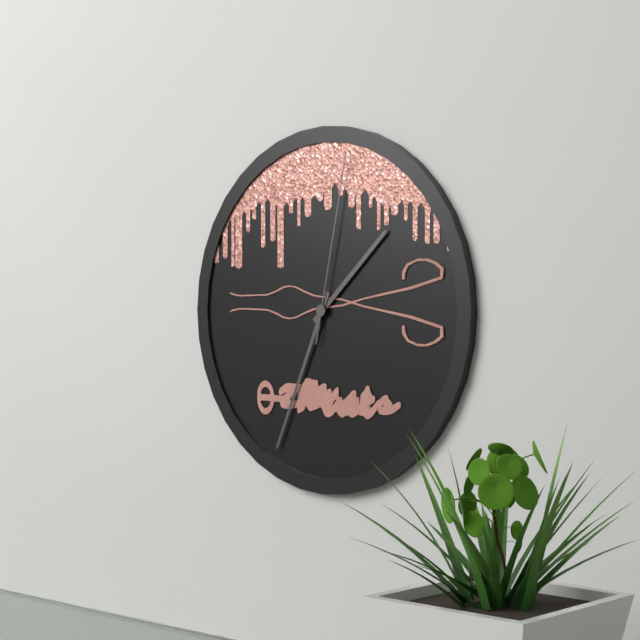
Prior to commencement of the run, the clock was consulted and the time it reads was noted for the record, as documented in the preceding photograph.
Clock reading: 1:34:02
